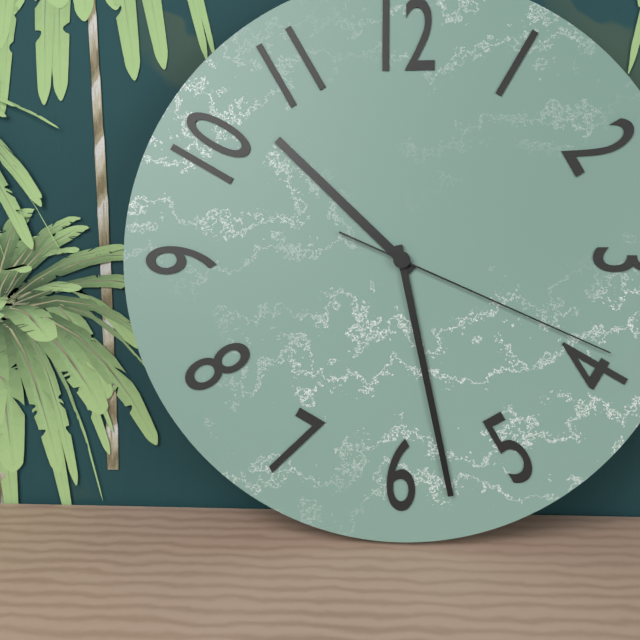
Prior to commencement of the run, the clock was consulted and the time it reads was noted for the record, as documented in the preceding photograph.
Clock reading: 10:28:19
